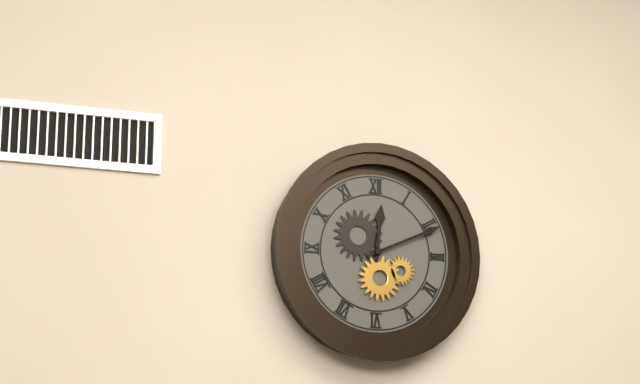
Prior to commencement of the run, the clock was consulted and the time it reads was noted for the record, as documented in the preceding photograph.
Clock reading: 12:11
